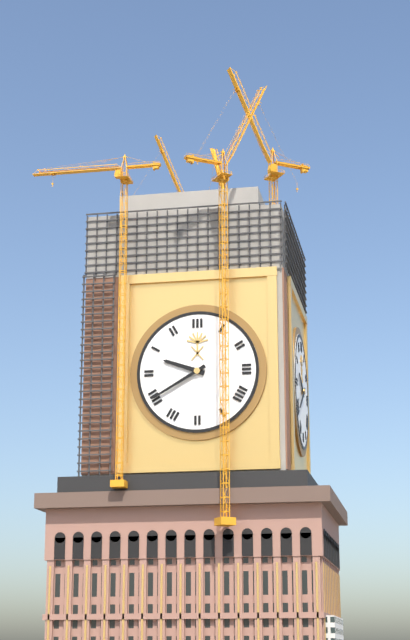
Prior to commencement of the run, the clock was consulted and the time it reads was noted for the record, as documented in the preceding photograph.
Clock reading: 9:40
